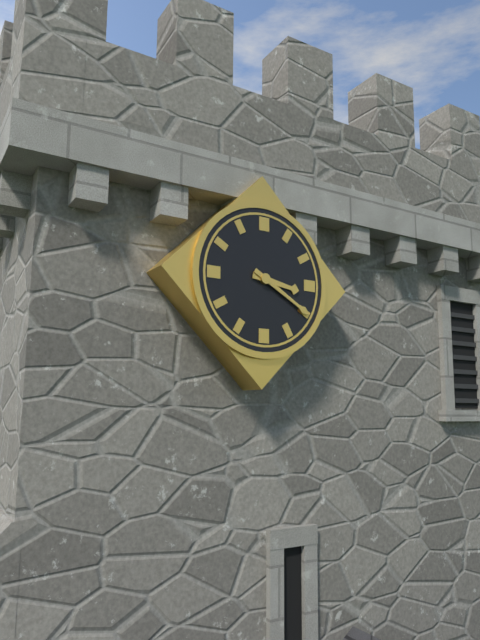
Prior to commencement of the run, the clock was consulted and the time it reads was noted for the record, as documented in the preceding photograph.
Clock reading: 3:20
